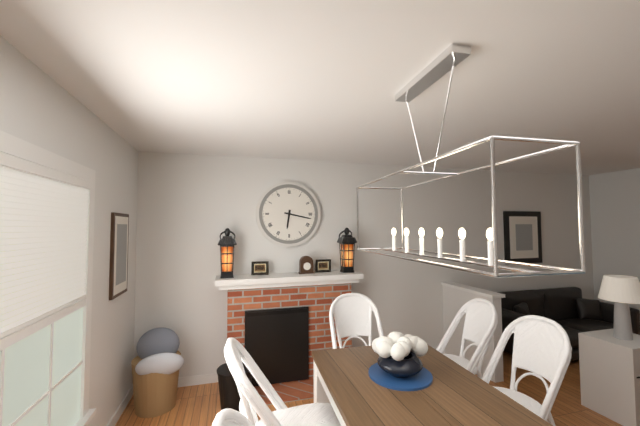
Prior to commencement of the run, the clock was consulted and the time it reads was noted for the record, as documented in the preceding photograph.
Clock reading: 6:17
